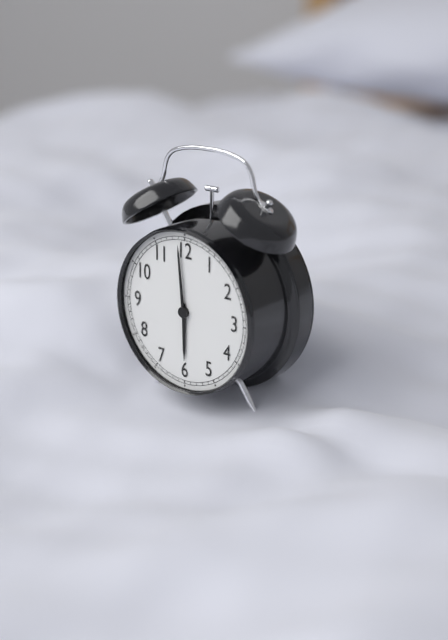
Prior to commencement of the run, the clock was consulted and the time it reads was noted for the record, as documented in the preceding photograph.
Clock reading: 5:59
